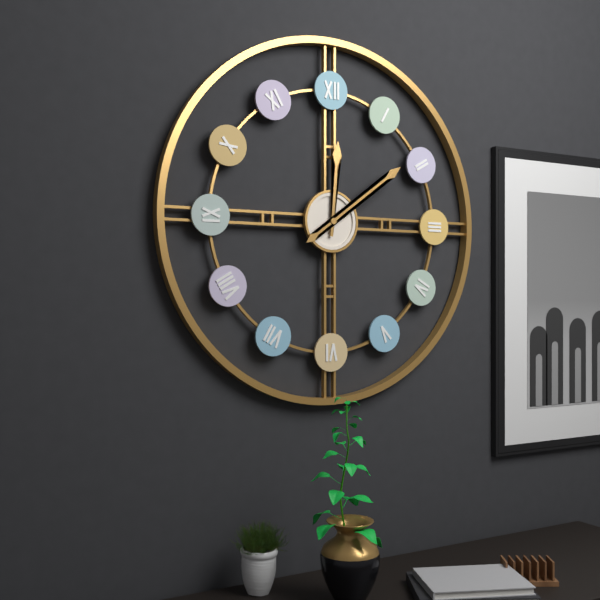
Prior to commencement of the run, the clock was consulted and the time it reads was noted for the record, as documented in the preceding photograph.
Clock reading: 12:09
